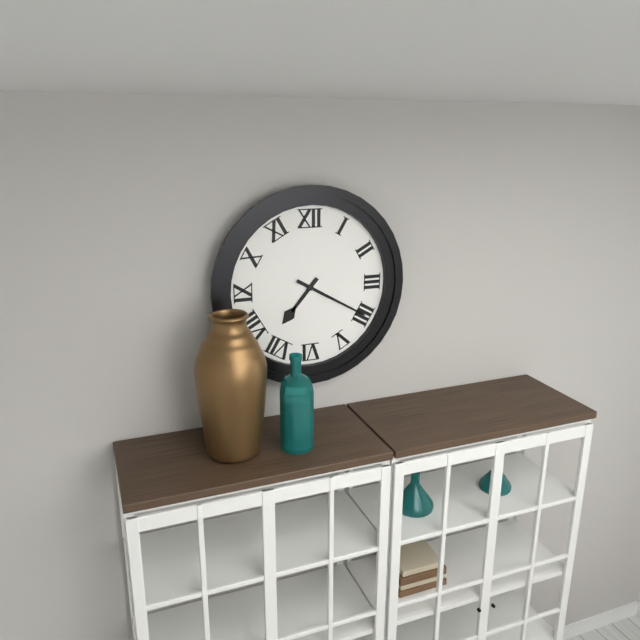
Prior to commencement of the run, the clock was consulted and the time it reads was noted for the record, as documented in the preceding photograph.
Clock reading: 7:20
